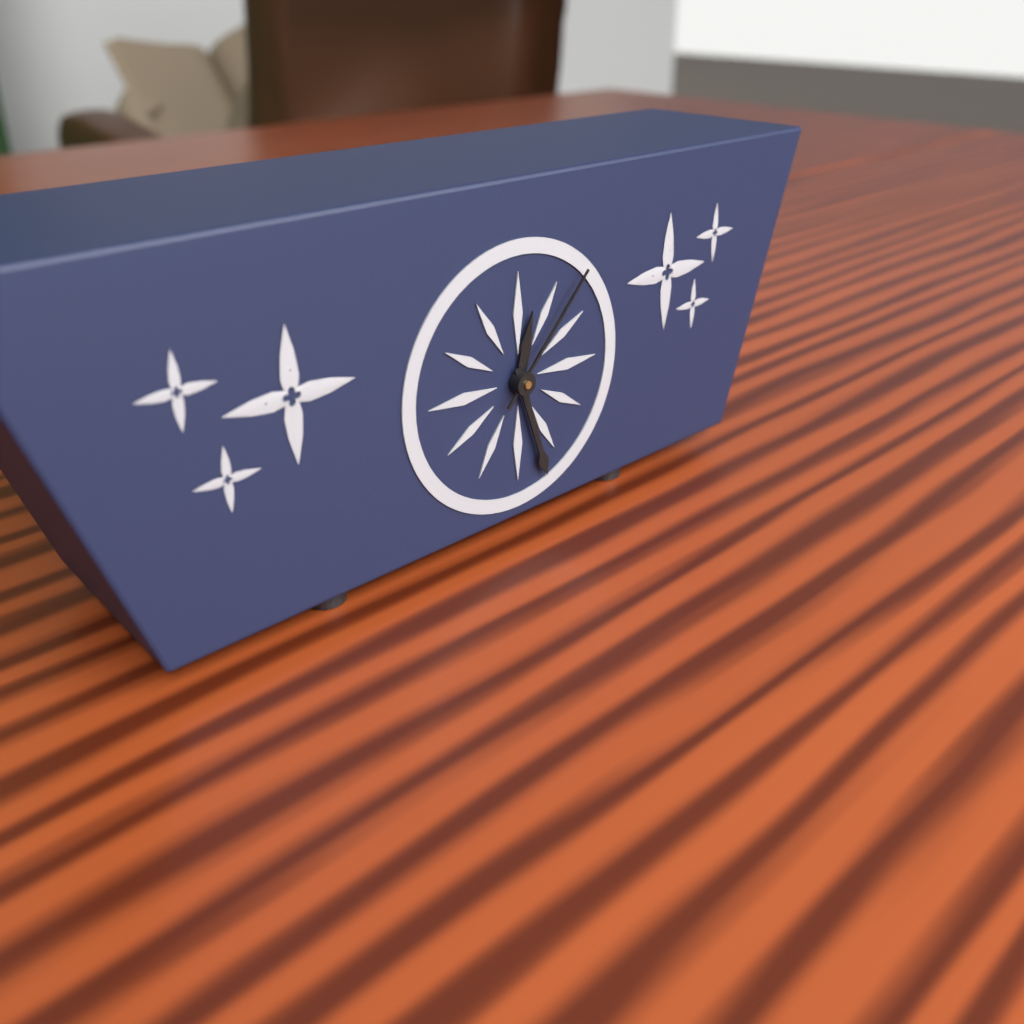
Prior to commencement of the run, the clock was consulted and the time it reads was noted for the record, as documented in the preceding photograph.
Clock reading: 12:27:07
